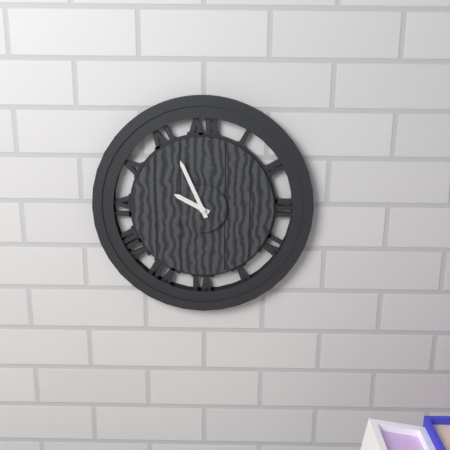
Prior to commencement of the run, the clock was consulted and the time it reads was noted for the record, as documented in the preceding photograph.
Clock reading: 9:56
